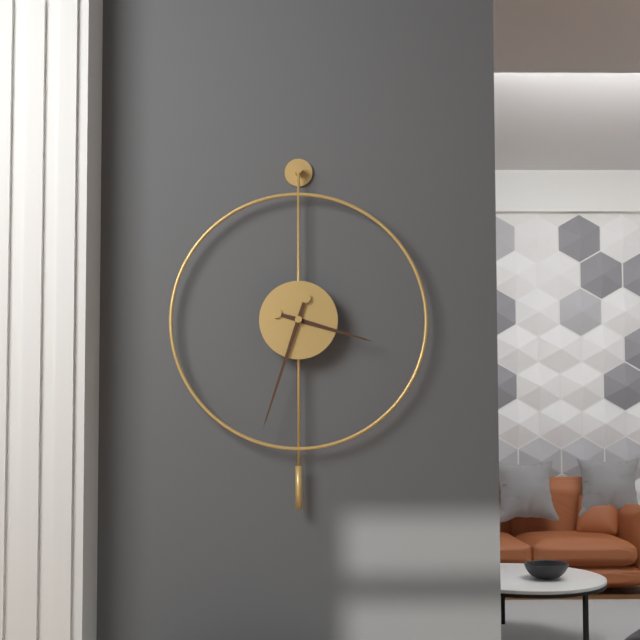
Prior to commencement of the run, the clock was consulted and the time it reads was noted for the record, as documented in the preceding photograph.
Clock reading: 3:33
